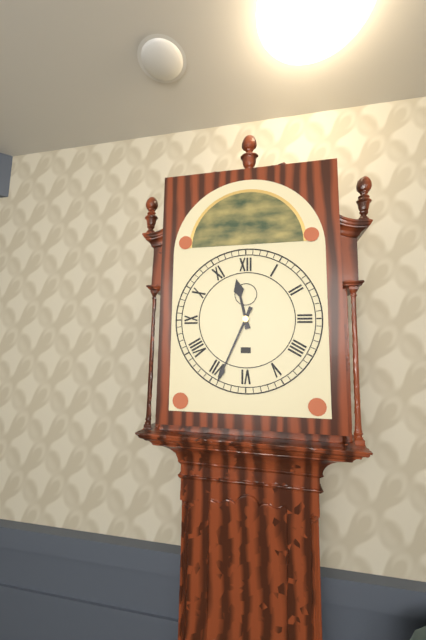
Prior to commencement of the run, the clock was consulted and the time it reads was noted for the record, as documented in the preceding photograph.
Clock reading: 11:34
